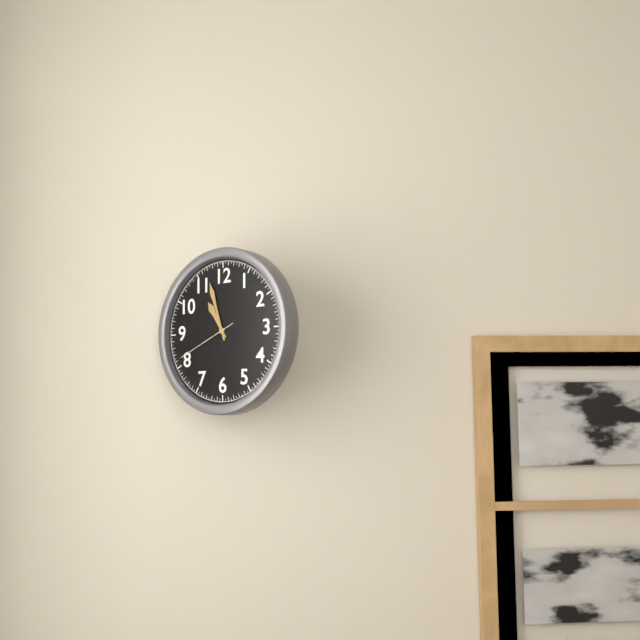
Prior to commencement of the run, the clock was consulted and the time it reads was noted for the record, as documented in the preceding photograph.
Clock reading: 10:57:41
